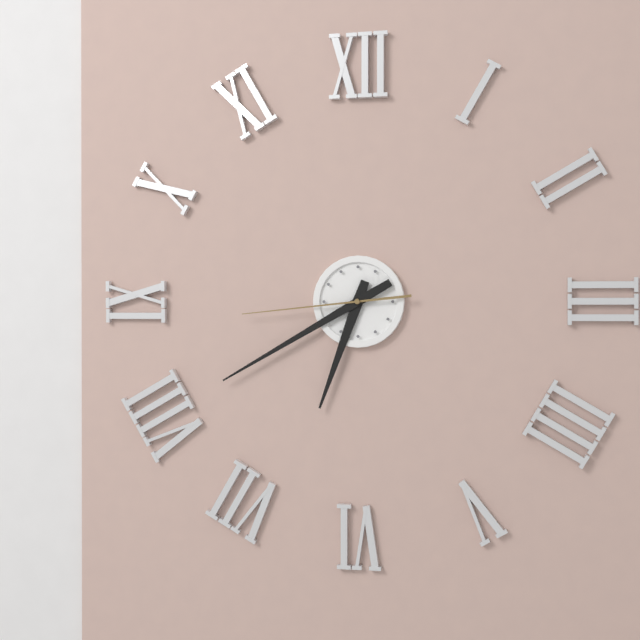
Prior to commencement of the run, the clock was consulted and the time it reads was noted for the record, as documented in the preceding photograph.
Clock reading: 6:40:44
